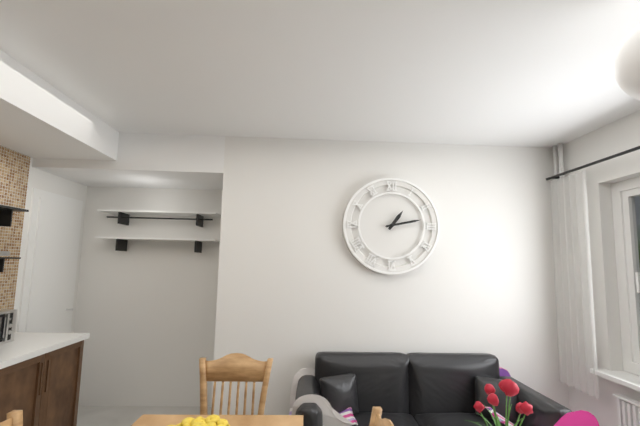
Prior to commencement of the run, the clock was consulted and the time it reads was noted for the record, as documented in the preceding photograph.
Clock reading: 1:13
